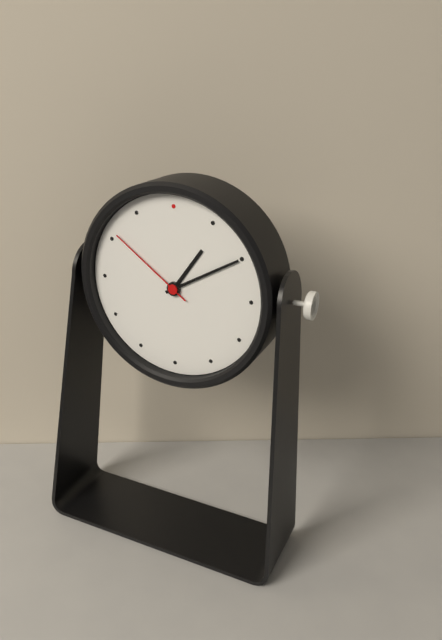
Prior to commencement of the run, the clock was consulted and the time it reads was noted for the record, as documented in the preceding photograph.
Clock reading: 1:10:51
